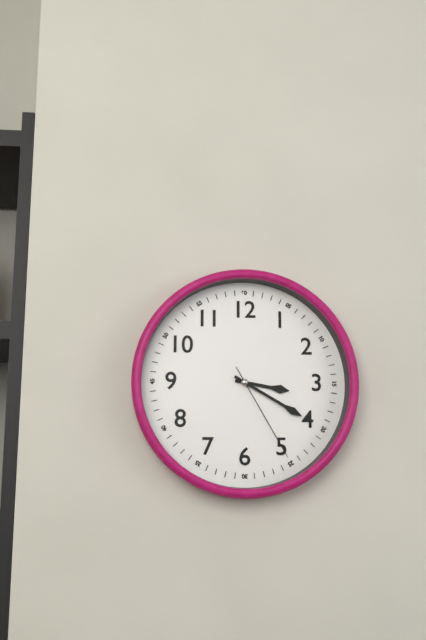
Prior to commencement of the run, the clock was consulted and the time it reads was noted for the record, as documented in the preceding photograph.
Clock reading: 3:20:25
